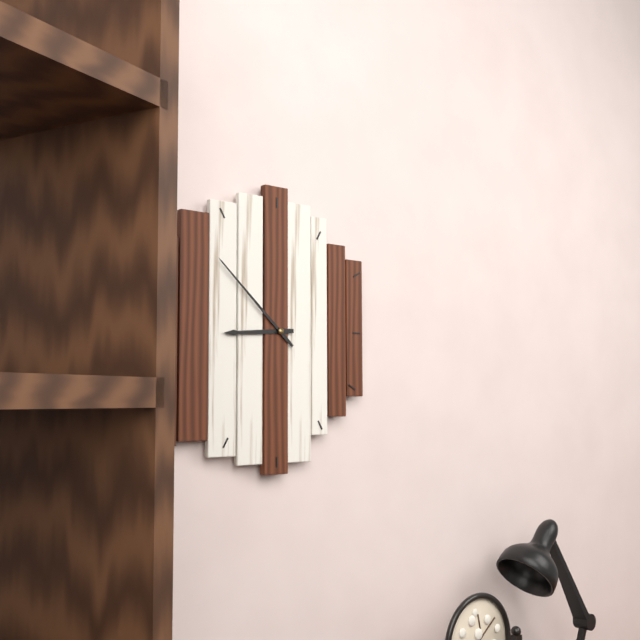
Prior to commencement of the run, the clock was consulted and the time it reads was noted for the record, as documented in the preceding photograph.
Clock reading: 8:52
